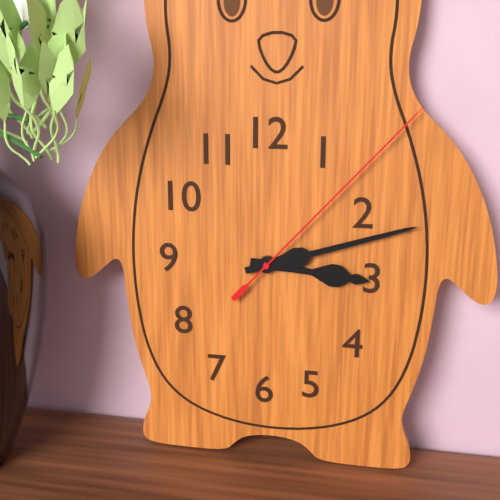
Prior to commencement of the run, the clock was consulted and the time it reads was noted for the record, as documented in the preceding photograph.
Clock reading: 3:12:07
